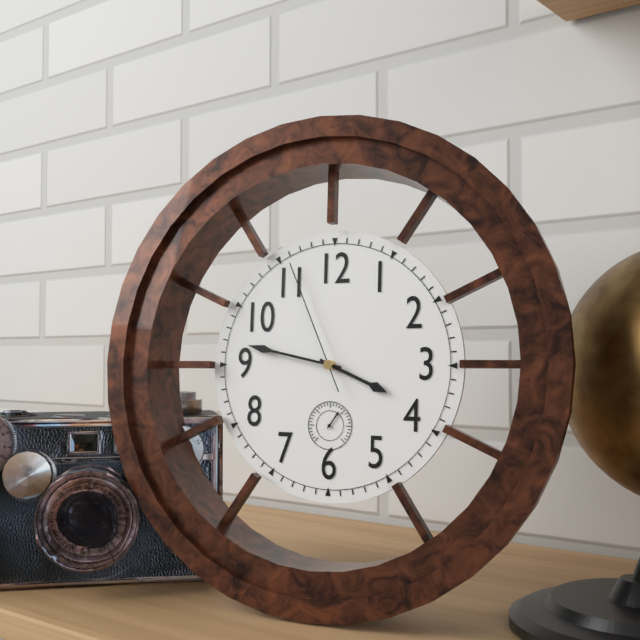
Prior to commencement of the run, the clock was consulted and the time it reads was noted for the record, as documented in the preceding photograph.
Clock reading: 3:47:56
